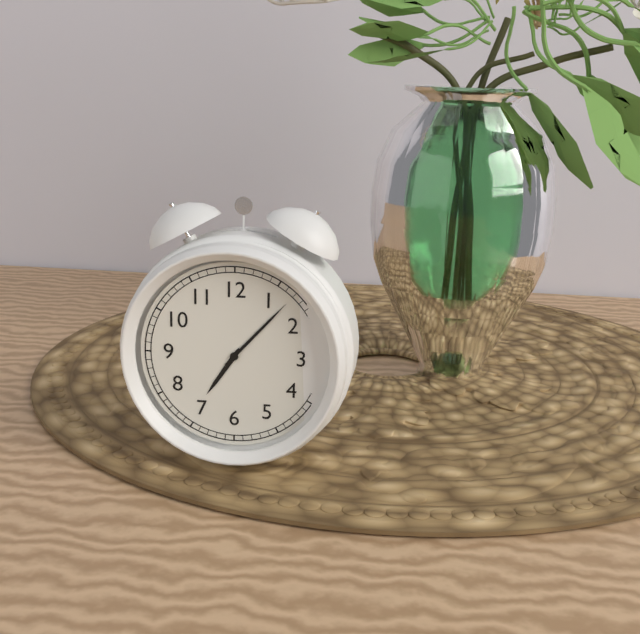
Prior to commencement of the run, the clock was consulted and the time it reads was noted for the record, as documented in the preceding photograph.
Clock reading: 7:07
